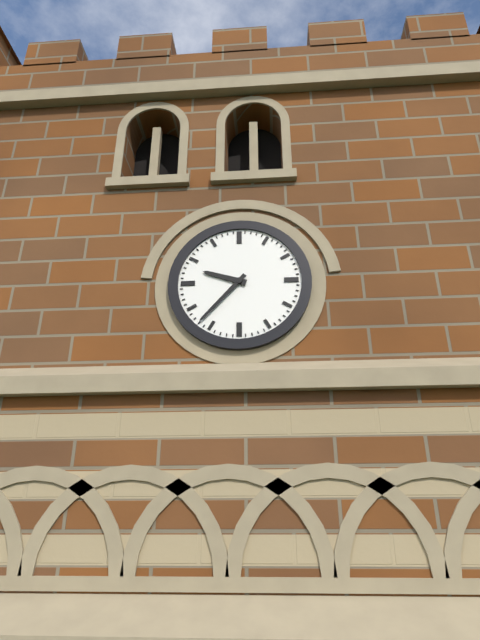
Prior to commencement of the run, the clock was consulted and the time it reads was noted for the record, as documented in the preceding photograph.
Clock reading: 9:37
